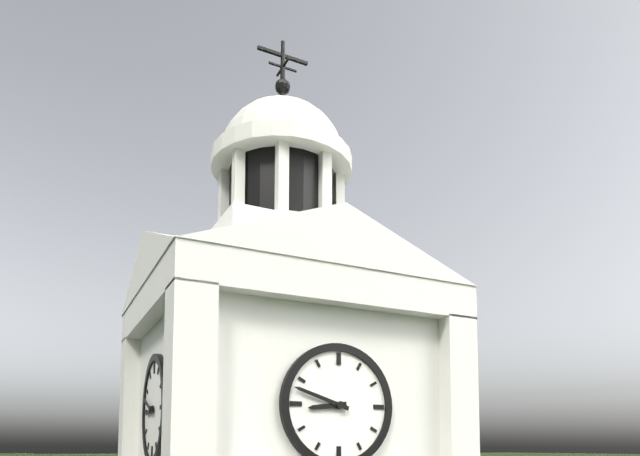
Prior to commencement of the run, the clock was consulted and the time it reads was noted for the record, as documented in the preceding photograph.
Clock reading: 8:48
